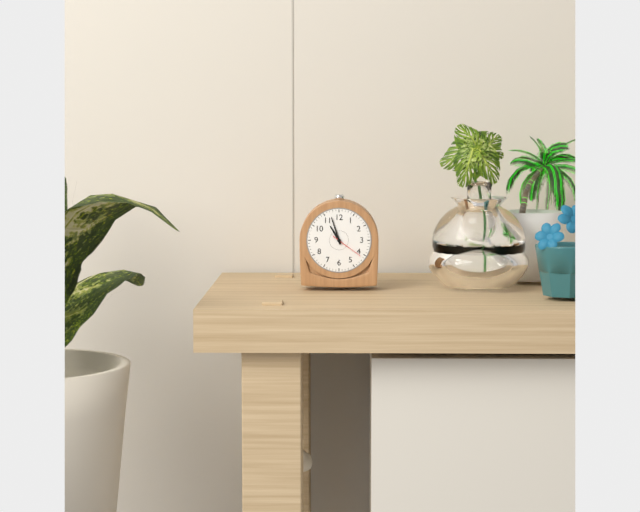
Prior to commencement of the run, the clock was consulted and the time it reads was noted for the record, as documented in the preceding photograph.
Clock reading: 10:57
